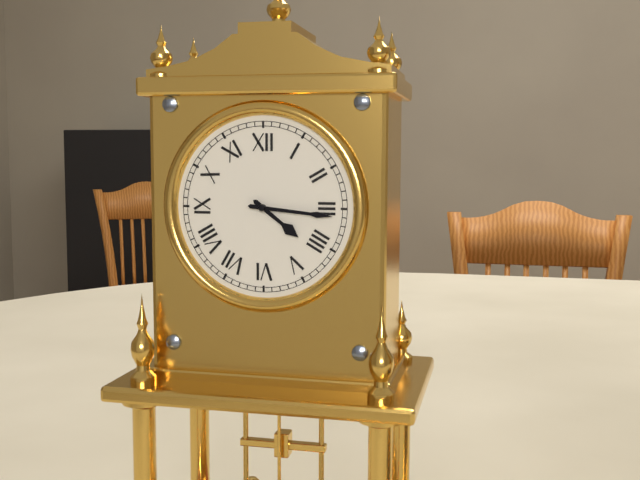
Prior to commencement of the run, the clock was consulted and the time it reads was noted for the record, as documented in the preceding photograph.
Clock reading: 4:16
